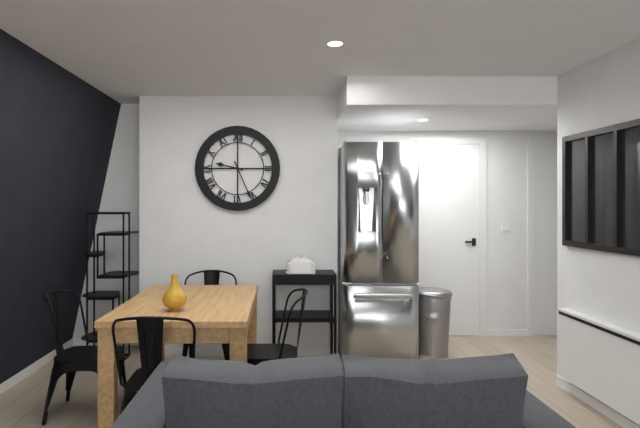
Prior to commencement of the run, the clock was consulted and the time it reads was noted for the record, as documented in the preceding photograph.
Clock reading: 9:26
